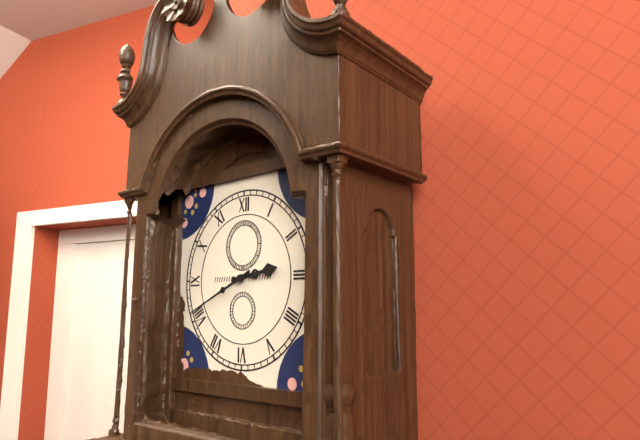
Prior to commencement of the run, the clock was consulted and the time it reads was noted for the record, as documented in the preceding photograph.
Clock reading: 2:41
